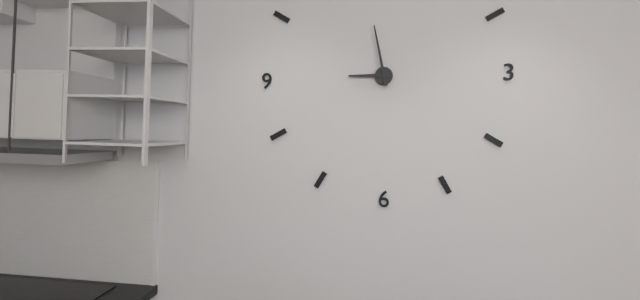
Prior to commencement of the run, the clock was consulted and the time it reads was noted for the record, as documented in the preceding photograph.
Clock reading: 8:58
